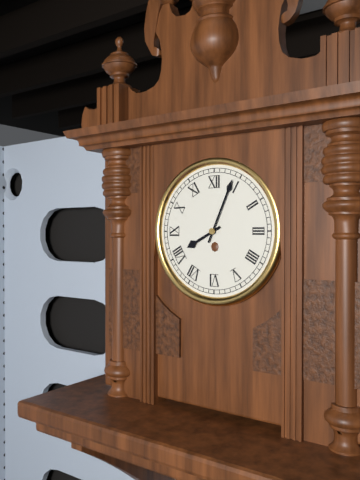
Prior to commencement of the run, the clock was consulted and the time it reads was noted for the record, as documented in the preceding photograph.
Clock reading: 8:04
